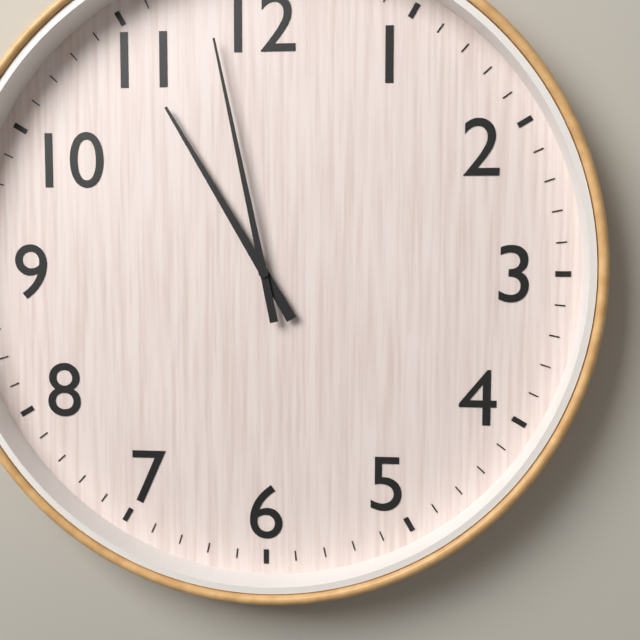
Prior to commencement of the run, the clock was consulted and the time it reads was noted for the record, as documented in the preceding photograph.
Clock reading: 10:58
